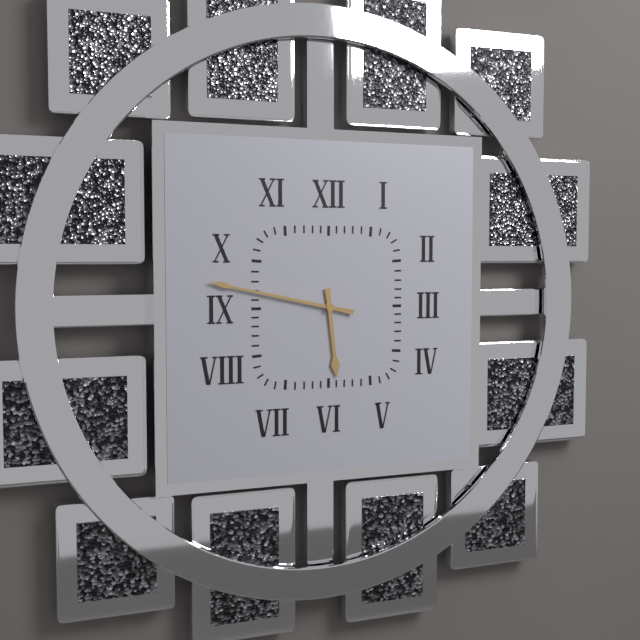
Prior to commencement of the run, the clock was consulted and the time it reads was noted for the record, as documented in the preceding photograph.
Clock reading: 5:47
